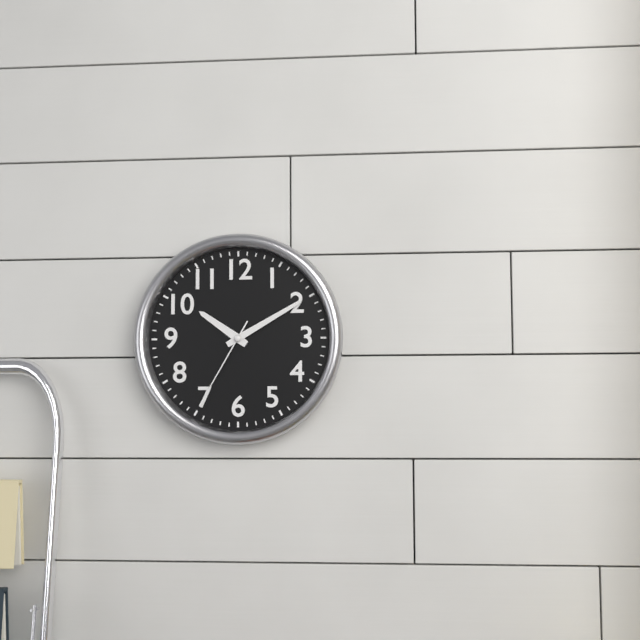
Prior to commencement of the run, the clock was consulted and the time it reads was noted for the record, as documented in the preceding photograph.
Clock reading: 10:10:35
